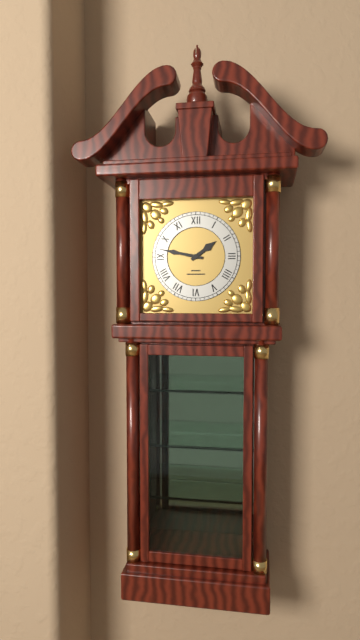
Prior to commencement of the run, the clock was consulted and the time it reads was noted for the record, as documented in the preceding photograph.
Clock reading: 1:47
